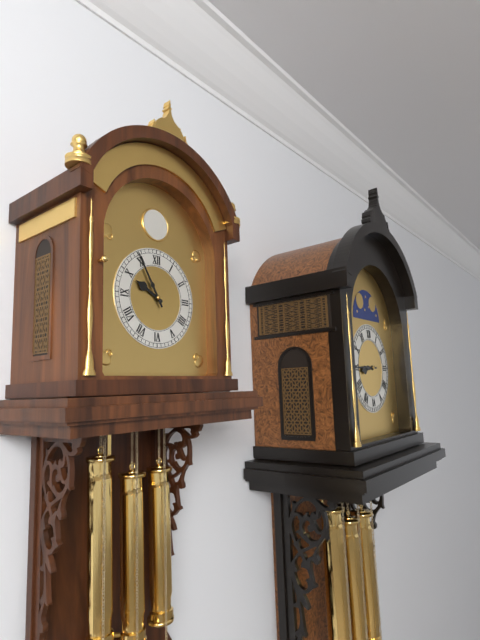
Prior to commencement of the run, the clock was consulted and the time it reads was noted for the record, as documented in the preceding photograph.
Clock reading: 9:55
